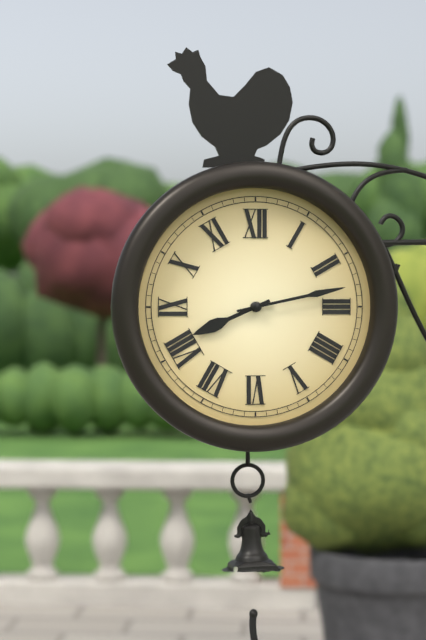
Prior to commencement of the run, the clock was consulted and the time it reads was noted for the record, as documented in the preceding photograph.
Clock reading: 8:13
